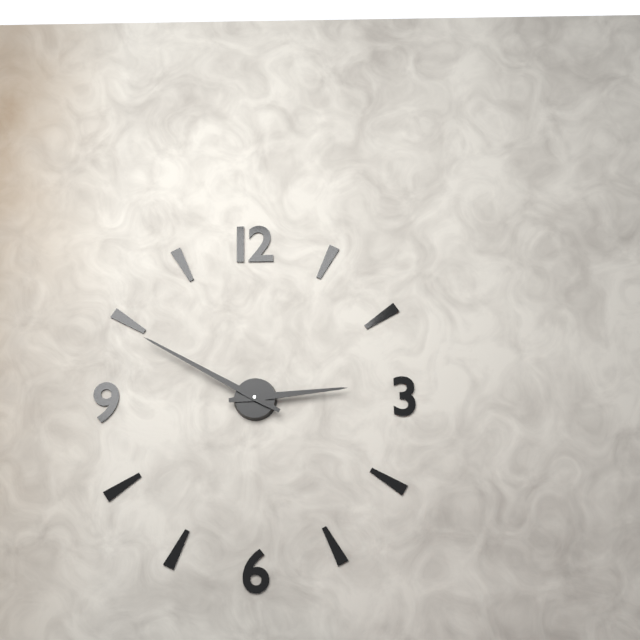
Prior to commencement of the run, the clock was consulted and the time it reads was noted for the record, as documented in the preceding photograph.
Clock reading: 2:50
